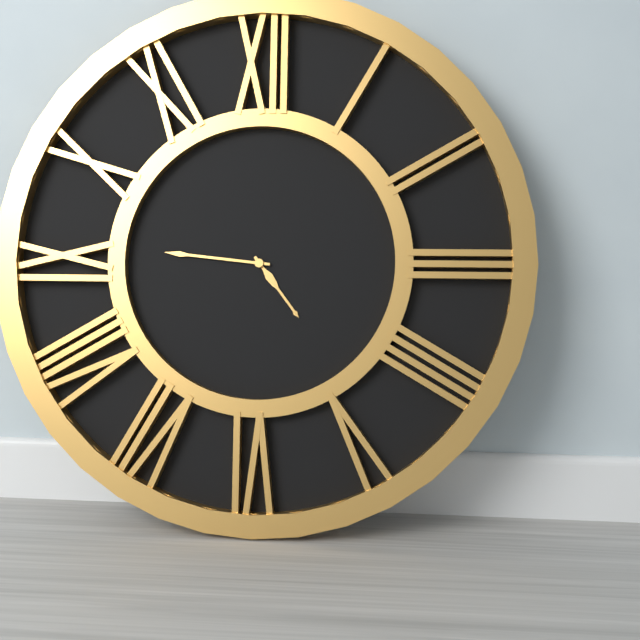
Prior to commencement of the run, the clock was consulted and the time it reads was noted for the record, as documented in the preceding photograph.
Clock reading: 4:46
